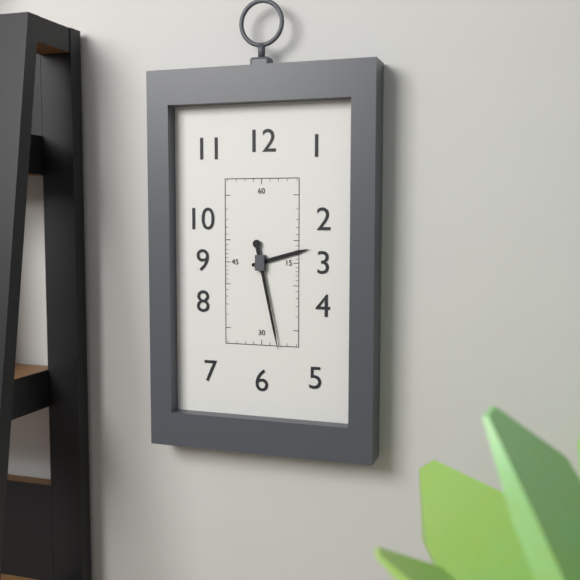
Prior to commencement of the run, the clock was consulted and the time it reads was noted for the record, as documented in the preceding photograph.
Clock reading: 2:28
